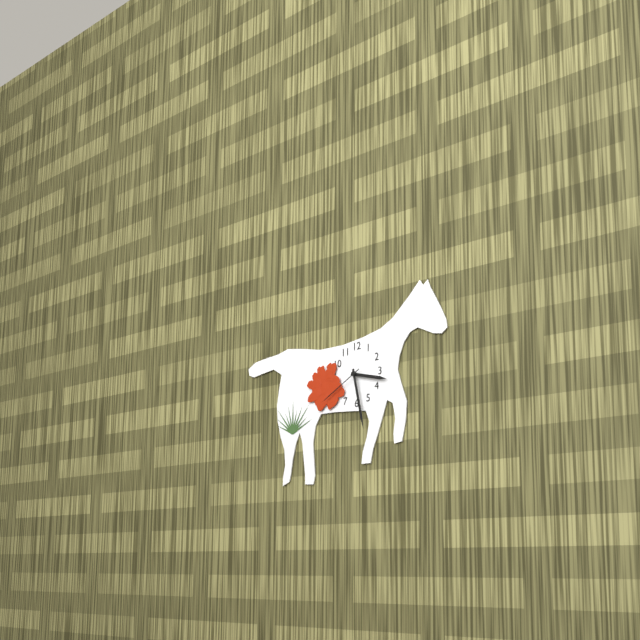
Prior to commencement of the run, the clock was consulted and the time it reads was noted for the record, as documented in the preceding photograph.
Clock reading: 3:28:40
